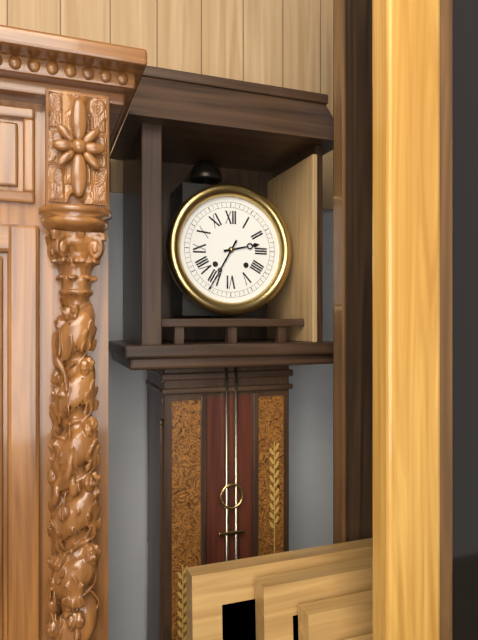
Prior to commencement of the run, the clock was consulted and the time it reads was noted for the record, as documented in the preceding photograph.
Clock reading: 2:35
